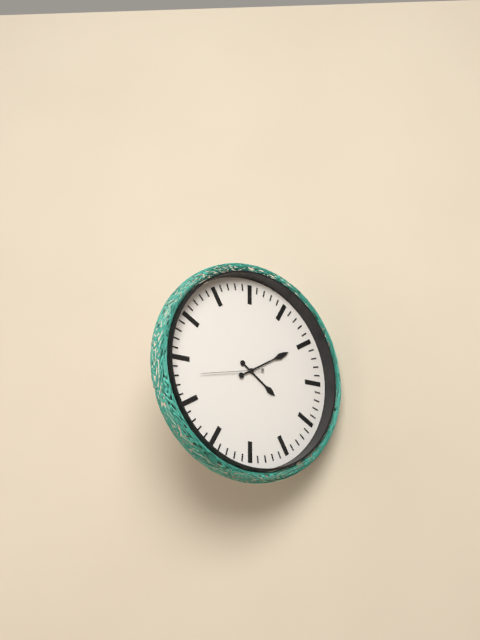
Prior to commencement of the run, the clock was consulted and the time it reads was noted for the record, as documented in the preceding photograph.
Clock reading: 4:10:43
